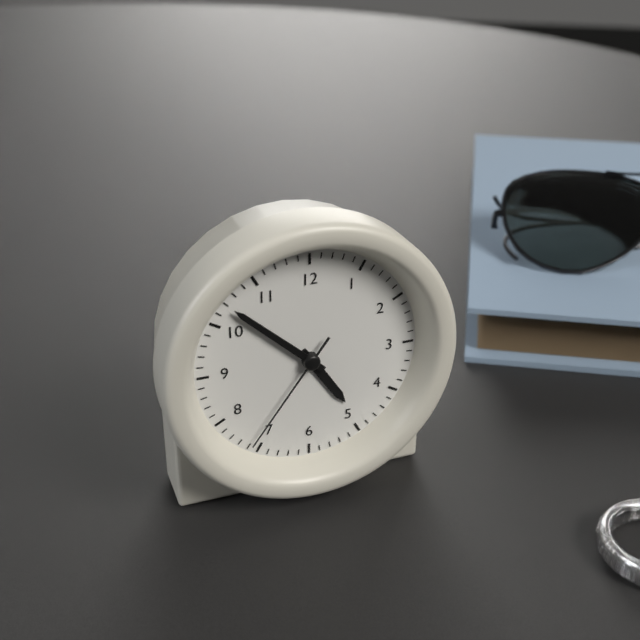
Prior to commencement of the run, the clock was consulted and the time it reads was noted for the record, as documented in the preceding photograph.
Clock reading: 4:52:36
